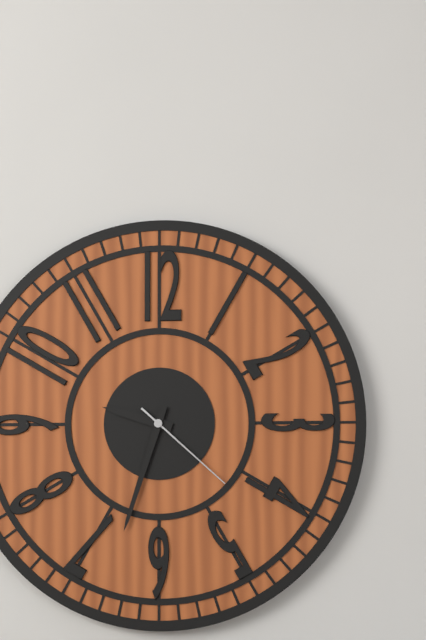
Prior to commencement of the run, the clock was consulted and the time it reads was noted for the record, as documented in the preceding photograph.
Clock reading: 9:33:22
